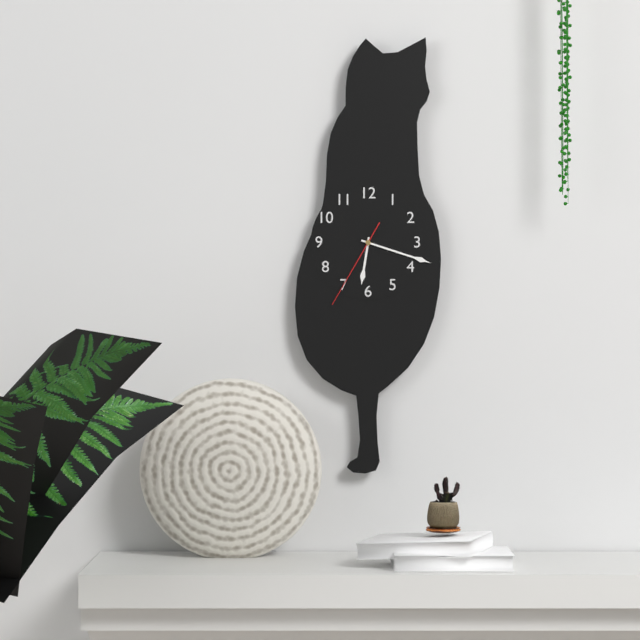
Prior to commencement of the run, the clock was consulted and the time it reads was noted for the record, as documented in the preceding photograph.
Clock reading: 6:18:35
